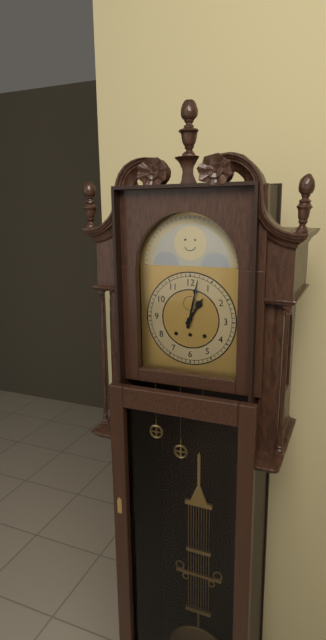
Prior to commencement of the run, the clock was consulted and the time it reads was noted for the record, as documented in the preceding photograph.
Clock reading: 1:02
